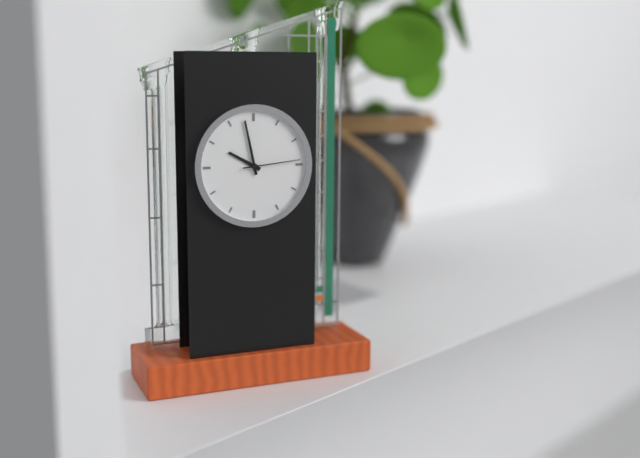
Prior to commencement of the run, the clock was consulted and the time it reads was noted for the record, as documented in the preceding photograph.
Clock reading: 9:58:14
